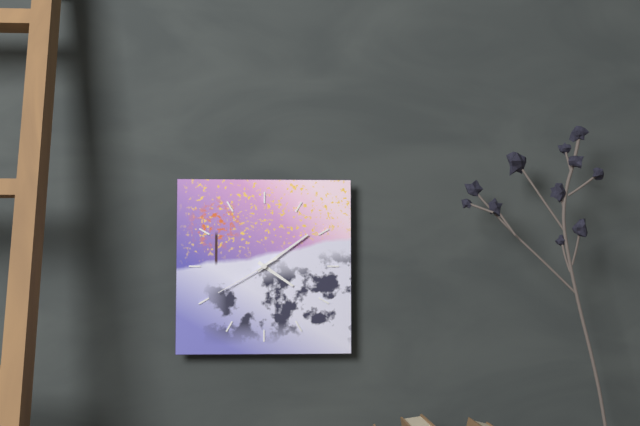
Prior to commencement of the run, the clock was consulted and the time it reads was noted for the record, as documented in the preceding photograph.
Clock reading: 4:09:40
